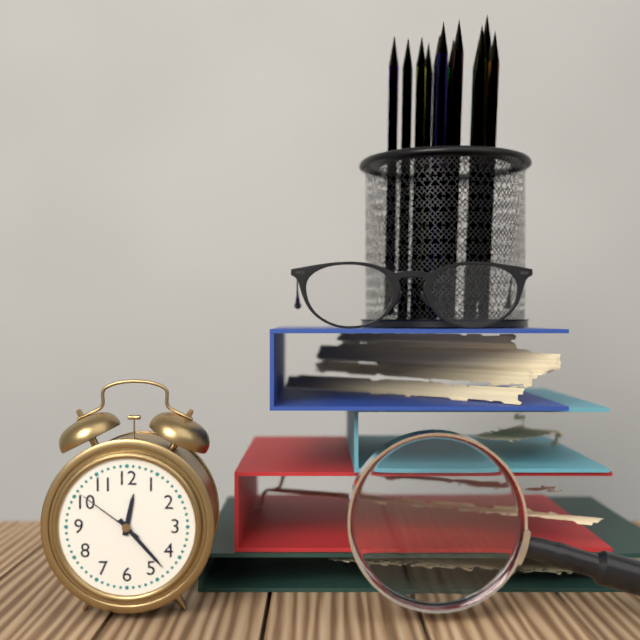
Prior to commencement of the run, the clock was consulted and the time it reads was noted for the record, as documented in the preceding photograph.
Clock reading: 12:23:51
